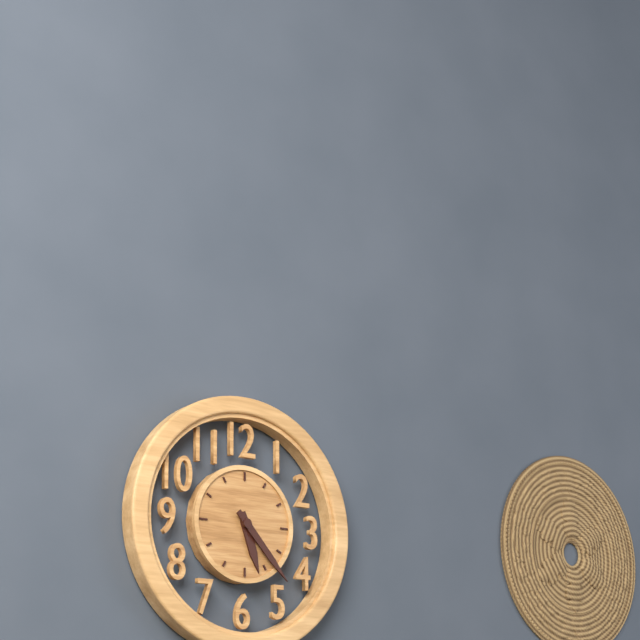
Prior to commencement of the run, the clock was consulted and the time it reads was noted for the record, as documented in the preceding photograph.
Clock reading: 5:23
